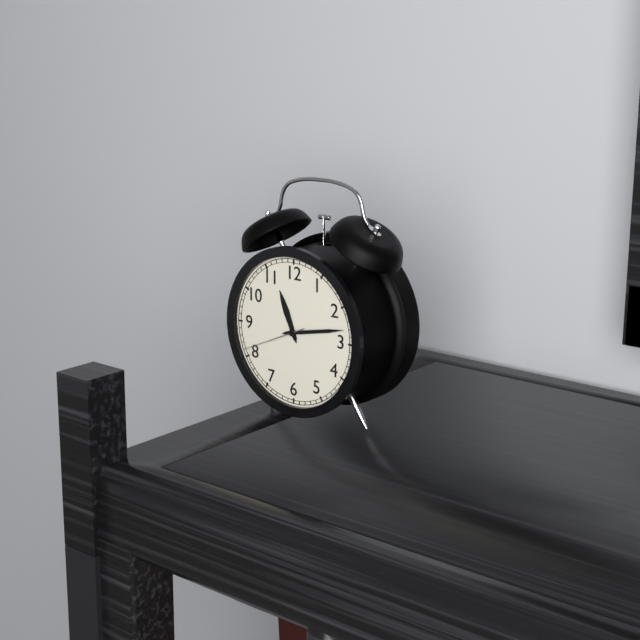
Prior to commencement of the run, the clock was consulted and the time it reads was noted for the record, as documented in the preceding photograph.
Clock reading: 11:13:41
